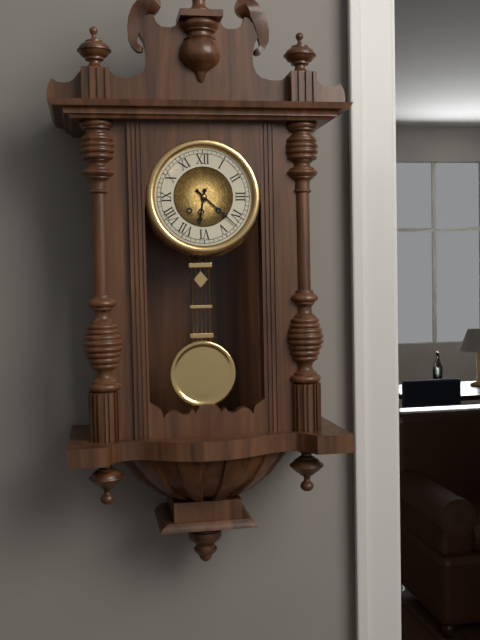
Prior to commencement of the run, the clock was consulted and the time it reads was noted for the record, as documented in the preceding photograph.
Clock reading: 6:22
